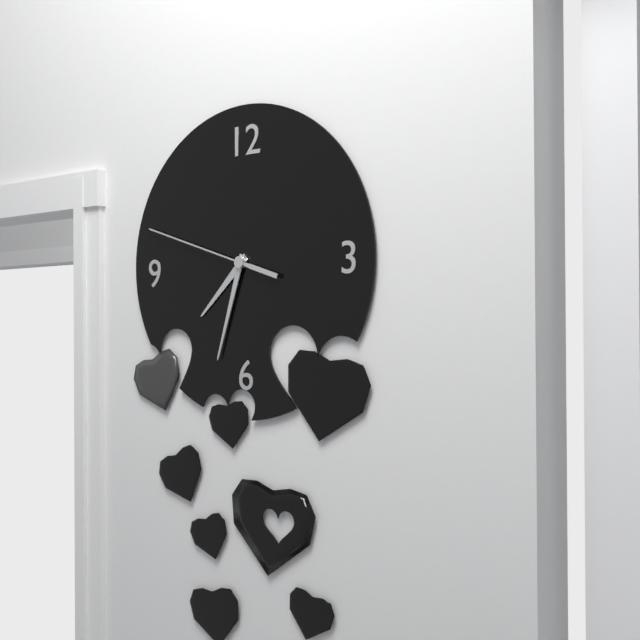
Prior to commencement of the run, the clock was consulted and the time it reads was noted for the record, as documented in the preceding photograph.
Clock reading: 7:33:48
